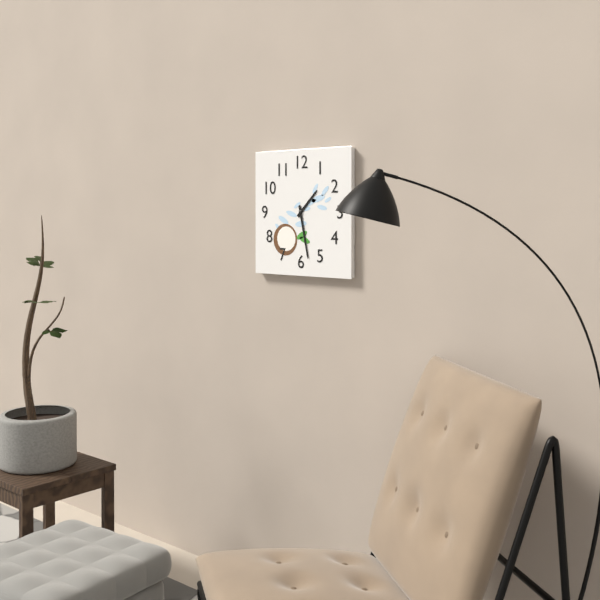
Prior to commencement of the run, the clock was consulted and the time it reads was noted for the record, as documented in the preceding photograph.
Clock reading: 1:28
